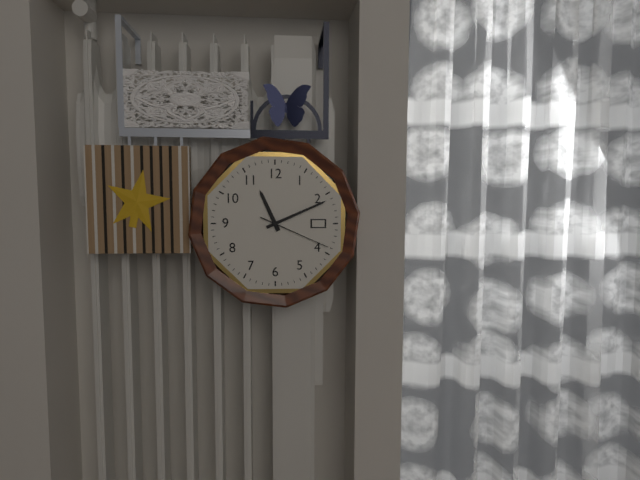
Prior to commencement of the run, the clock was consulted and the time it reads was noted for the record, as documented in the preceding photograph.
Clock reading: 11:11:19
